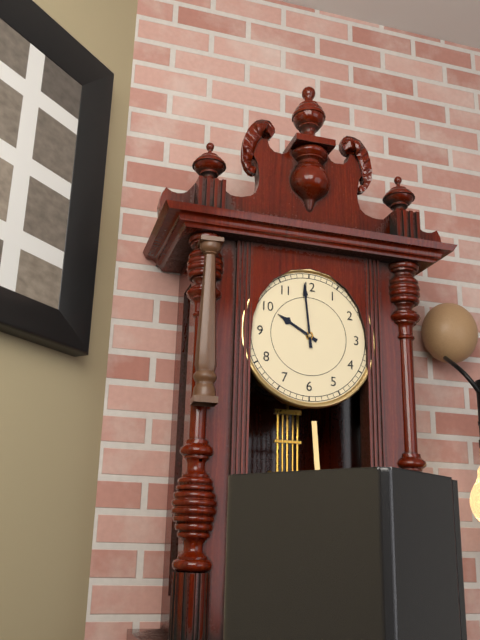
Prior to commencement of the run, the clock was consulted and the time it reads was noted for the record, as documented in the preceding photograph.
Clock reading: 9:59
